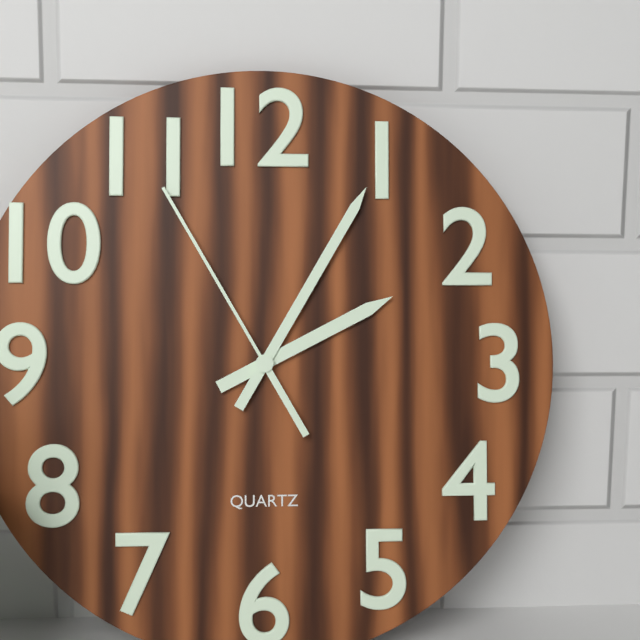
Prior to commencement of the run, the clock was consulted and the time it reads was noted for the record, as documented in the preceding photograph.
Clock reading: 2:05:55
